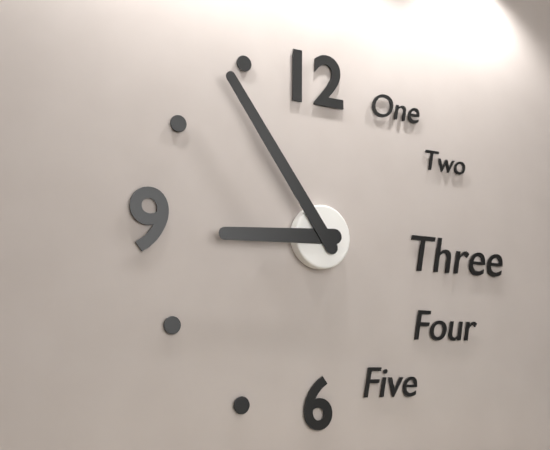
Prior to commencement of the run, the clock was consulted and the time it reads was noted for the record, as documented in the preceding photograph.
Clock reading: 8:54
